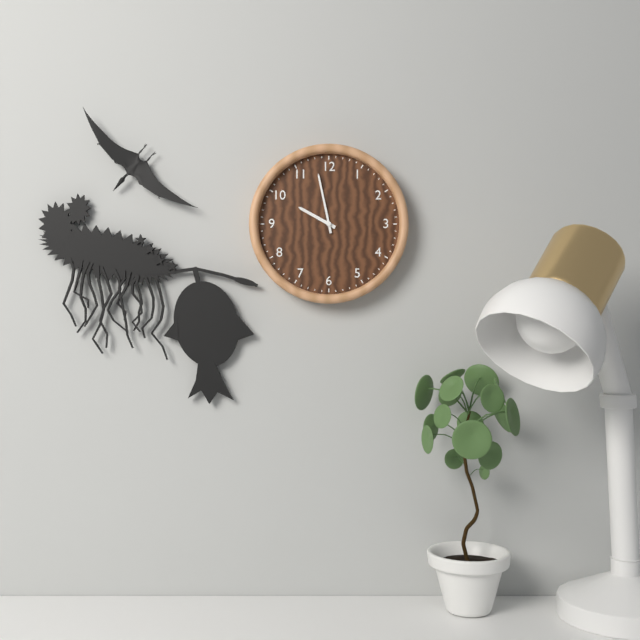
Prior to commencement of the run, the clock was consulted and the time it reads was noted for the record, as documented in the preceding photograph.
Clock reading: 9:58
